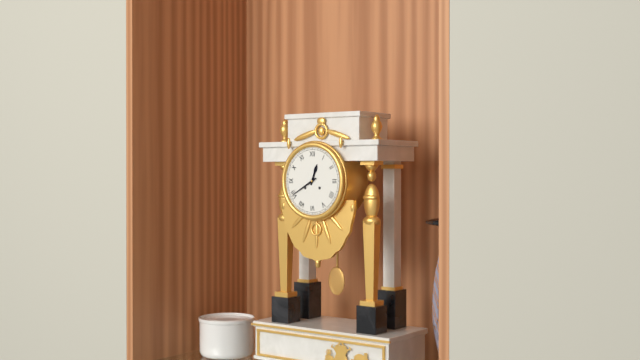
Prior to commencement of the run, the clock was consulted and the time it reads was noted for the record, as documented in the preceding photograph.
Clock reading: 12:40
